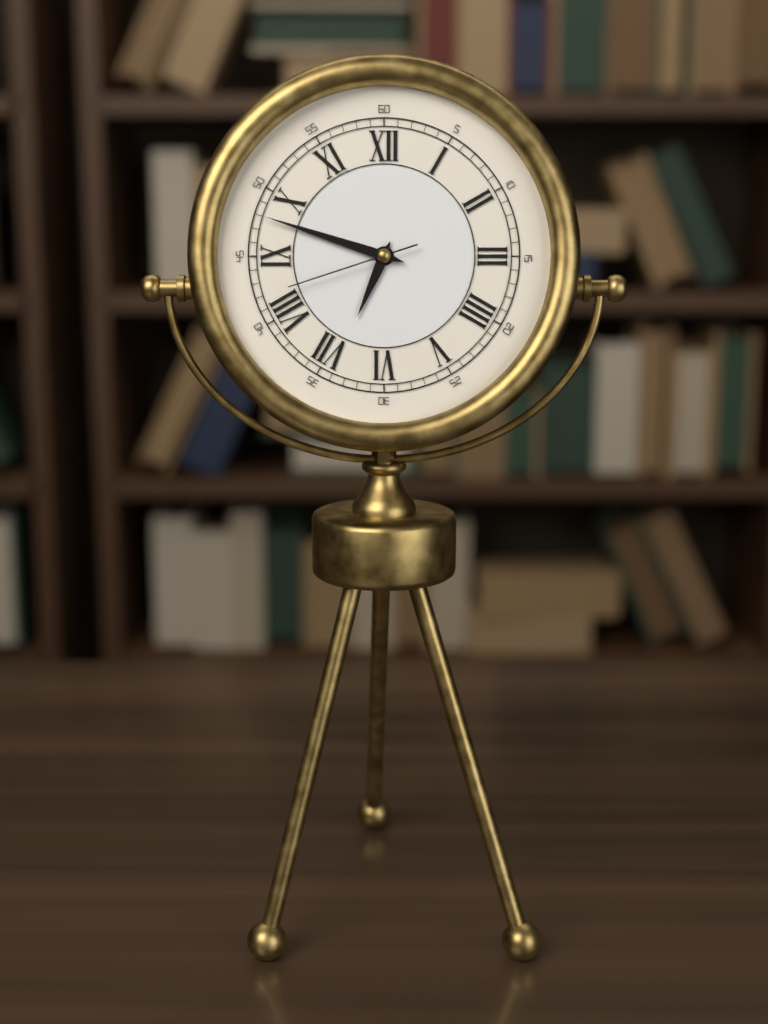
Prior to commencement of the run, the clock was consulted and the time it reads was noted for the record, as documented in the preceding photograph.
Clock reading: 6:48:42
